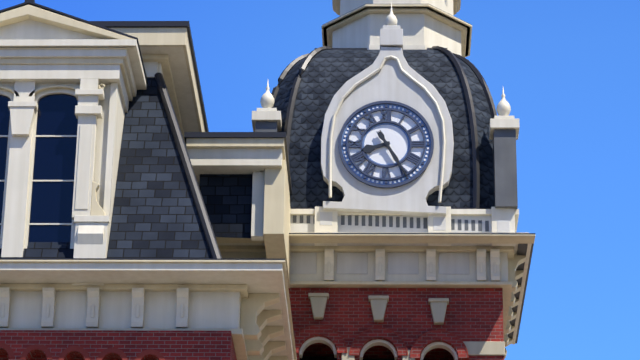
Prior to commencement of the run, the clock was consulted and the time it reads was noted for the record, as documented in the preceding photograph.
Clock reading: 8:25
